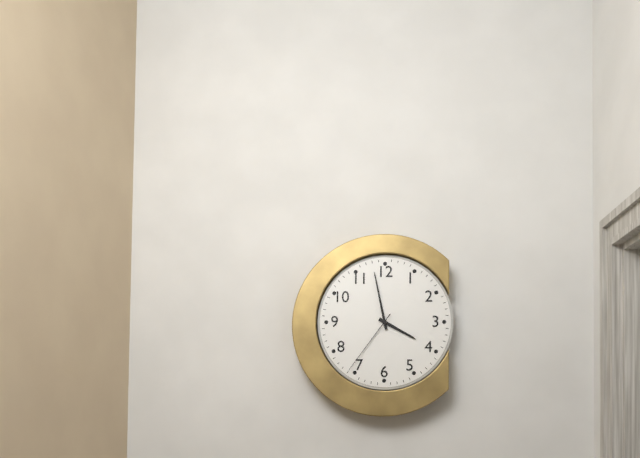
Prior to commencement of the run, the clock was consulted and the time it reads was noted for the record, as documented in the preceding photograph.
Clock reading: 3:58:36
